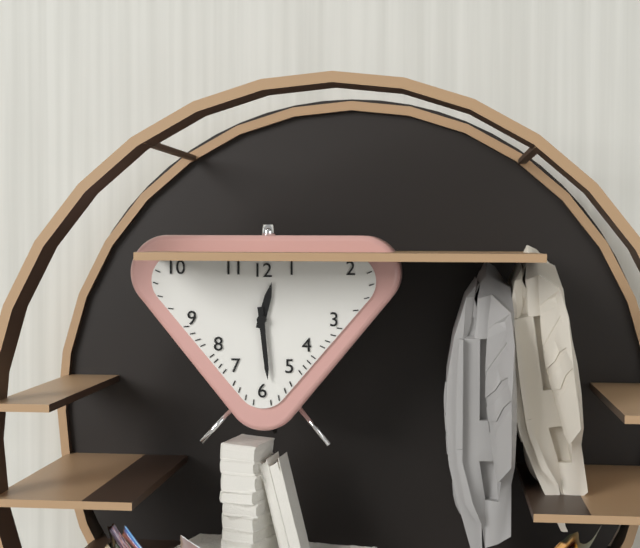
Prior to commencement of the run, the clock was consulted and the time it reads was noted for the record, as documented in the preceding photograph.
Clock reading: 12:29
